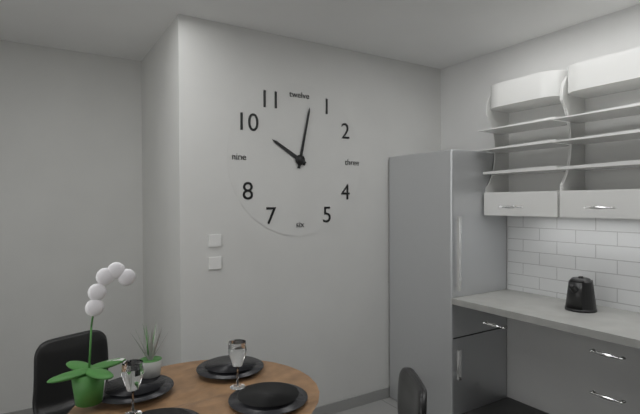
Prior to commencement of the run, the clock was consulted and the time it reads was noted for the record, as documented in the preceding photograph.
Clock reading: 10:02
